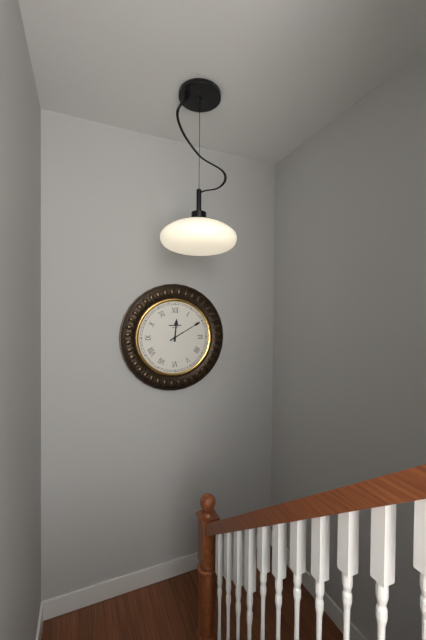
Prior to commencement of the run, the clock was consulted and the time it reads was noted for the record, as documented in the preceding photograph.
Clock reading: 12:10
